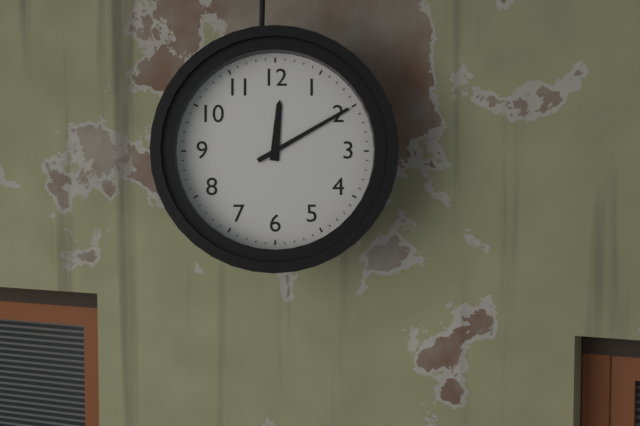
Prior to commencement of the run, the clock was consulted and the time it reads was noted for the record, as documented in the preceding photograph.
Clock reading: 12:10
